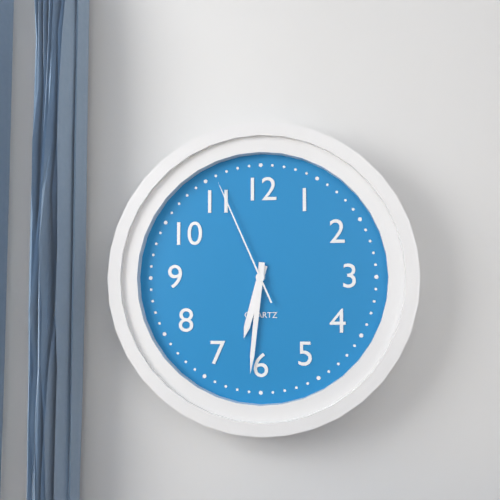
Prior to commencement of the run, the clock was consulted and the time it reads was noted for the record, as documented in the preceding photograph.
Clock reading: 6:31:56
